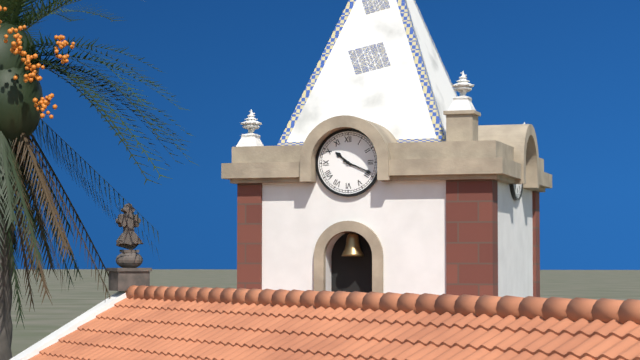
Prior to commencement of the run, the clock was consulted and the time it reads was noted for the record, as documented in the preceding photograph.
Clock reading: 10:19
